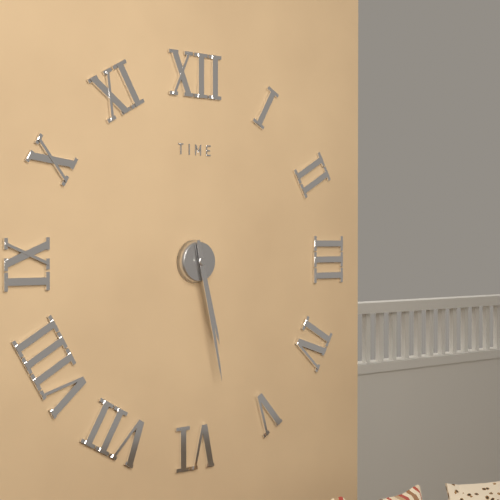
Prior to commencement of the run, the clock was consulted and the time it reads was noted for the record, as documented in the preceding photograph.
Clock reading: 5:28
